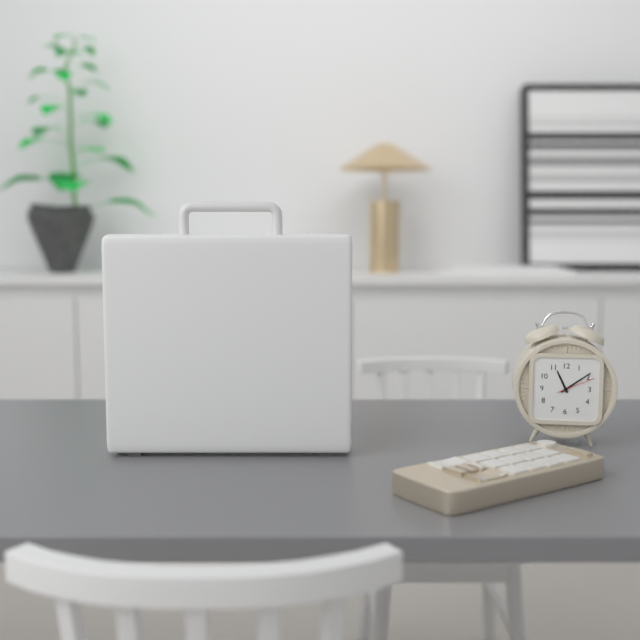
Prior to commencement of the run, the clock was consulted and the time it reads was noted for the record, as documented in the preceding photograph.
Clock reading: 11:09
